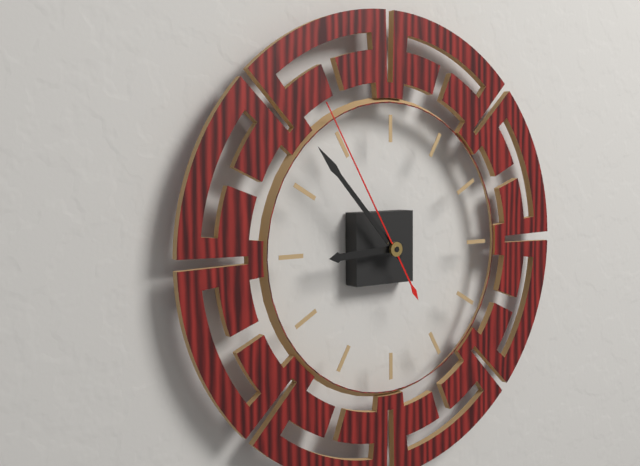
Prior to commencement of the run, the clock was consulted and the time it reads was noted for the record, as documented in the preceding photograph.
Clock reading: 8:53:55
